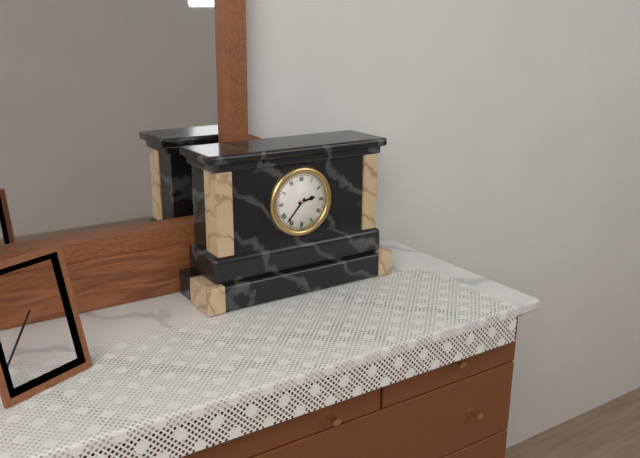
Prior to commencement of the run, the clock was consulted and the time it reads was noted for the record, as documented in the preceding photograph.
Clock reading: 2:37
